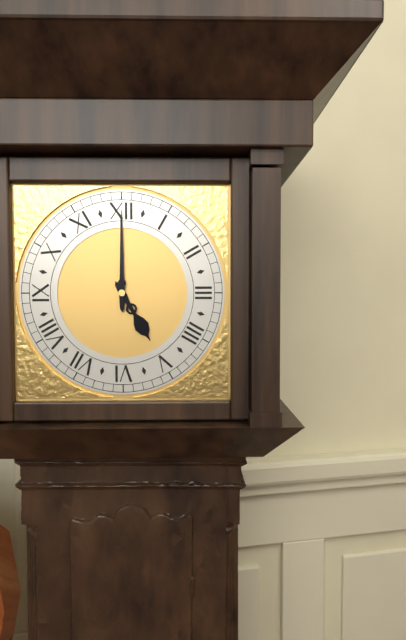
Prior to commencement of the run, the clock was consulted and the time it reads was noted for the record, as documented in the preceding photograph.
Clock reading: 5:00
